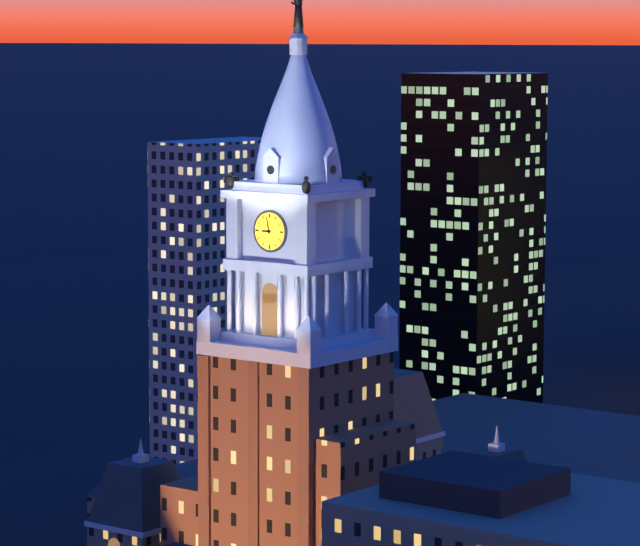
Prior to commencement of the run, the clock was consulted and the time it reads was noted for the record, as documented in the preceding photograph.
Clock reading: 8:58
